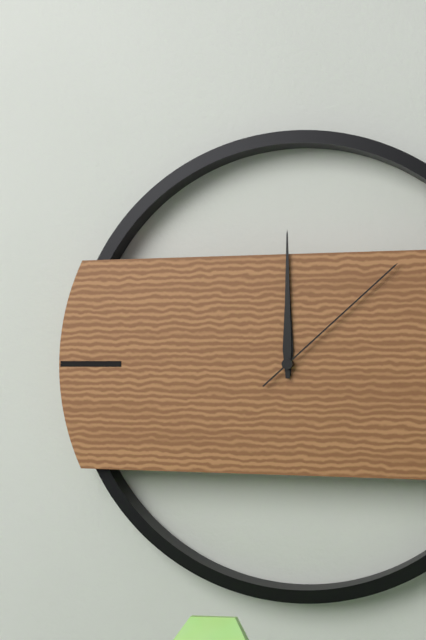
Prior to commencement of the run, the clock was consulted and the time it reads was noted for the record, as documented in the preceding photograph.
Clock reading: 12:00:08
